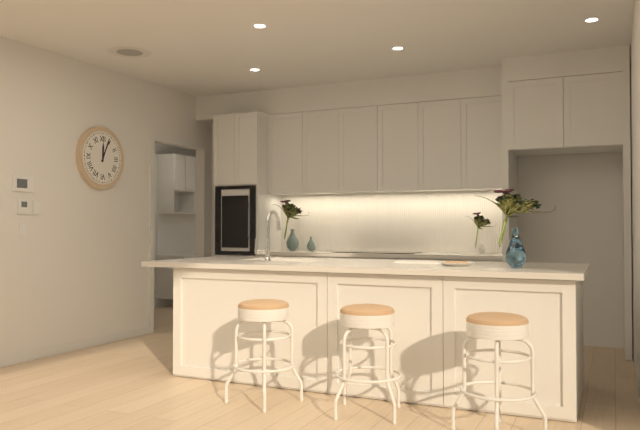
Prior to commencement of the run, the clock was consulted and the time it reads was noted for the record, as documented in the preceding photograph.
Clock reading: 12:04
